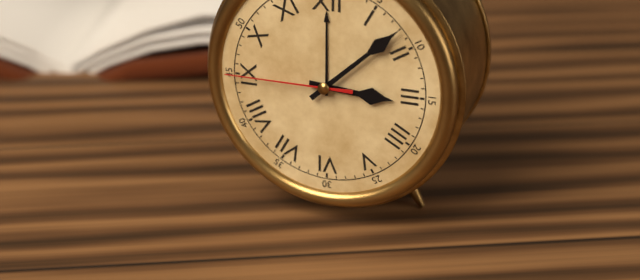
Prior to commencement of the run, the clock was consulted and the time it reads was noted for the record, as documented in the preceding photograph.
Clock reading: 3:08:45
